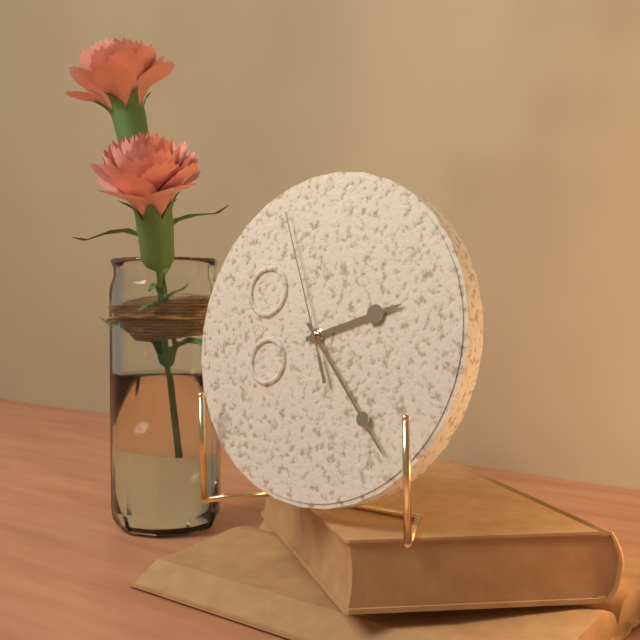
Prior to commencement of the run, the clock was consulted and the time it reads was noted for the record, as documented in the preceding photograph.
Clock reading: 2:23:56
